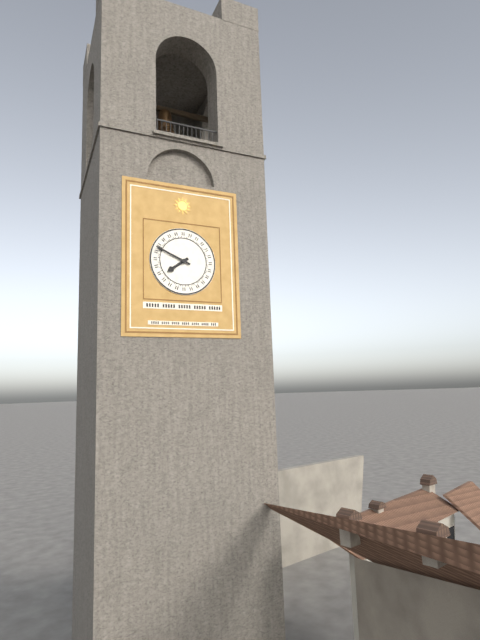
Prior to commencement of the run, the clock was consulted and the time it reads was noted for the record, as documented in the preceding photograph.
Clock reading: 7:49
